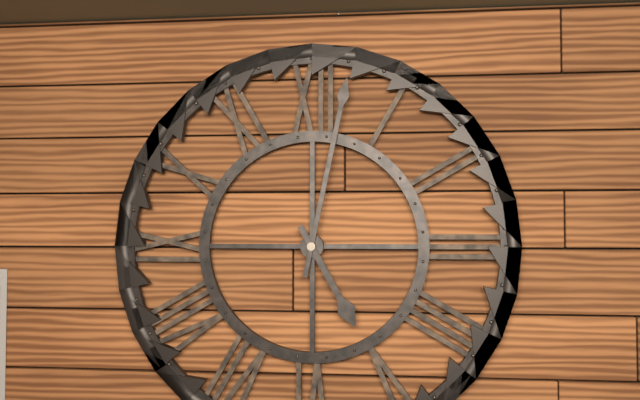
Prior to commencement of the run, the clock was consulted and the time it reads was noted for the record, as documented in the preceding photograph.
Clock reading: 5:02
